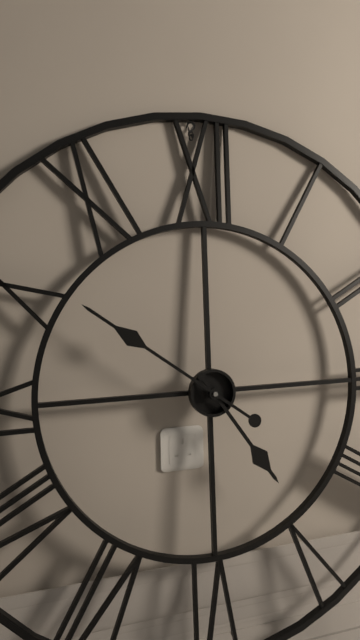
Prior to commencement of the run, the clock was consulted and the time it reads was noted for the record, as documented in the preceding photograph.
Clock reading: 4:51
